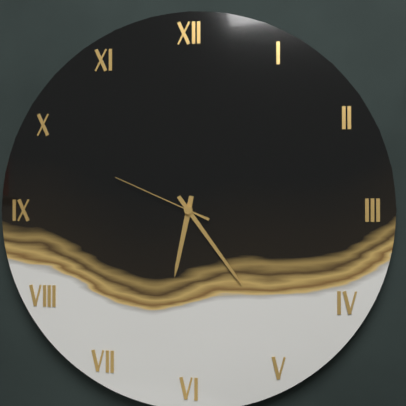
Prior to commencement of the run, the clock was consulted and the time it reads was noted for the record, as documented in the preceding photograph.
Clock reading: 6:24:49
